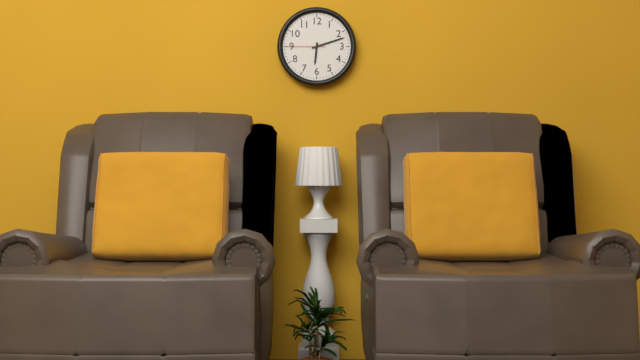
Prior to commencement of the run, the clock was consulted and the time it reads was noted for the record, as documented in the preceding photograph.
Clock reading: 6:12
